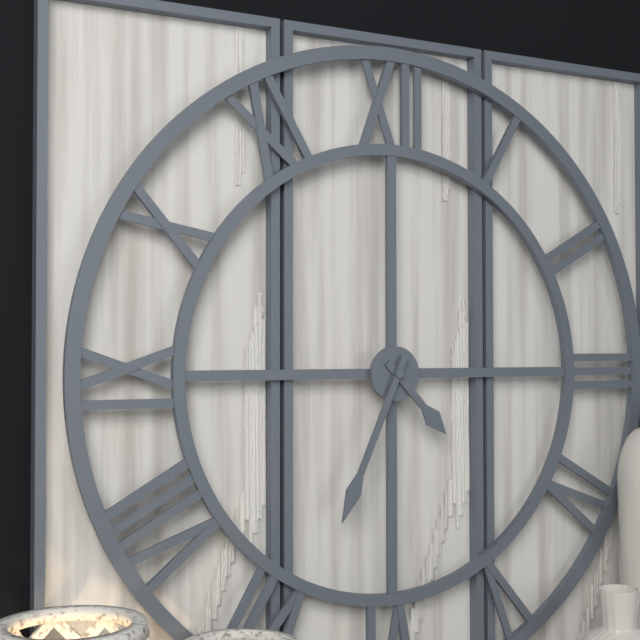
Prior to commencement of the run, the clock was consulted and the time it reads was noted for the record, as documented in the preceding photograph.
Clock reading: 4:34
